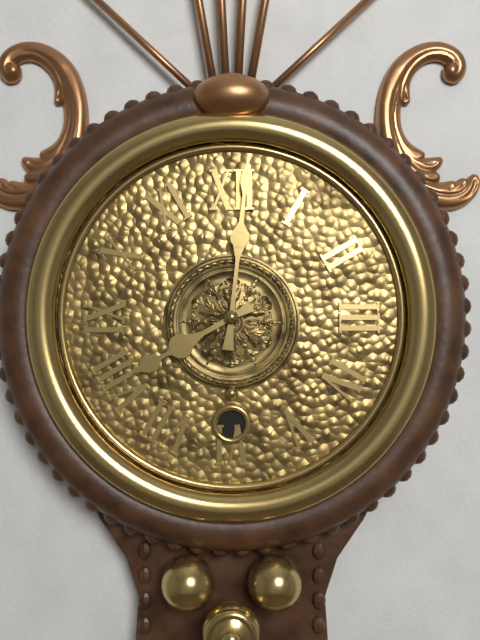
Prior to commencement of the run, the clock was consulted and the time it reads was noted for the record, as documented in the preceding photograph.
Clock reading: 8:01
